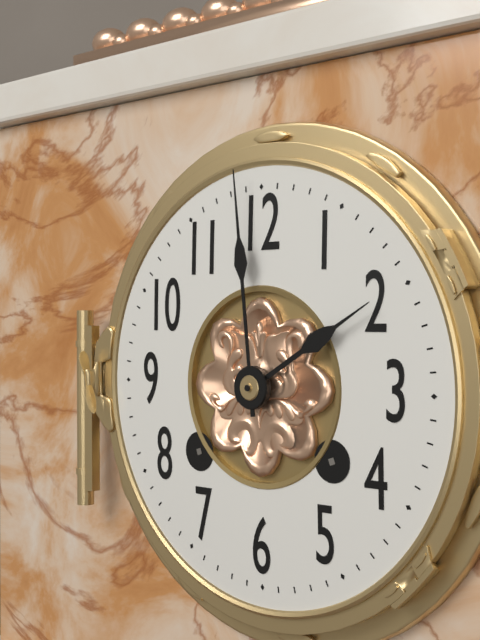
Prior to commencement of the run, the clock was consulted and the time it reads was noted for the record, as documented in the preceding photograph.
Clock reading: 1:59
